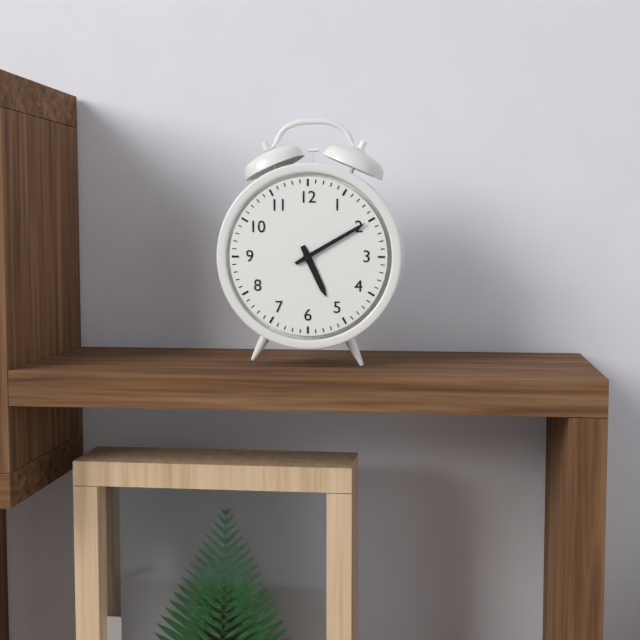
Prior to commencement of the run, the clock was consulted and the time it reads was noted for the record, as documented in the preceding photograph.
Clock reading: 5:10
